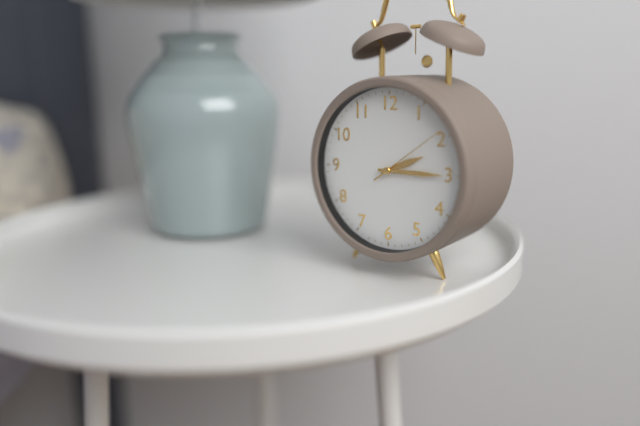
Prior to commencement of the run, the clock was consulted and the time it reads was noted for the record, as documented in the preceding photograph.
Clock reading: 2:15:09
